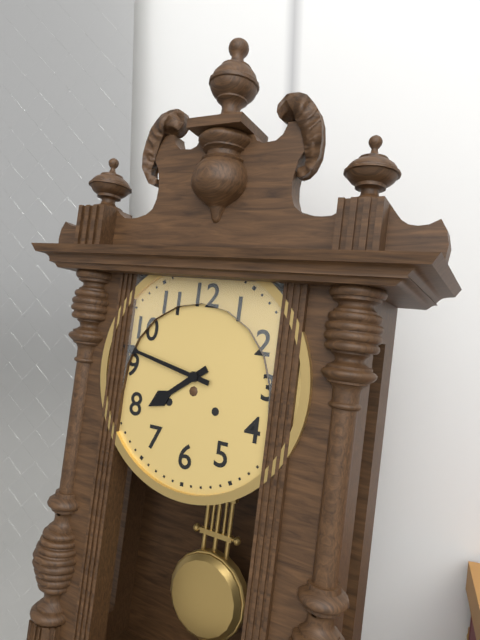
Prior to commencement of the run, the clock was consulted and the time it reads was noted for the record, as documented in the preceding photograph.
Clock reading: 7:47
